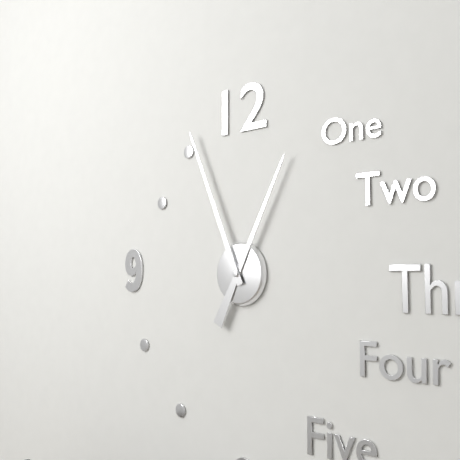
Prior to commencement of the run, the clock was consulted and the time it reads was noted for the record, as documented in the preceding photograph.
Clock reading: 12:56
